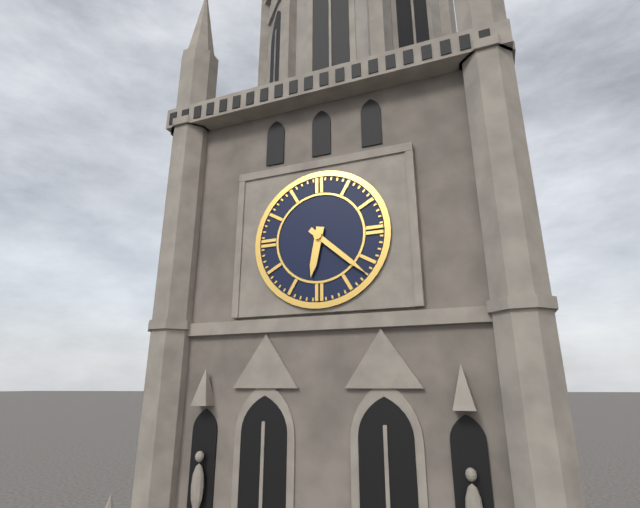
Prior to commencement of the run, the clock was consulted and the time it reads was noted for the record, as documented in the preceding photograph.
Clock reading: 6:22
